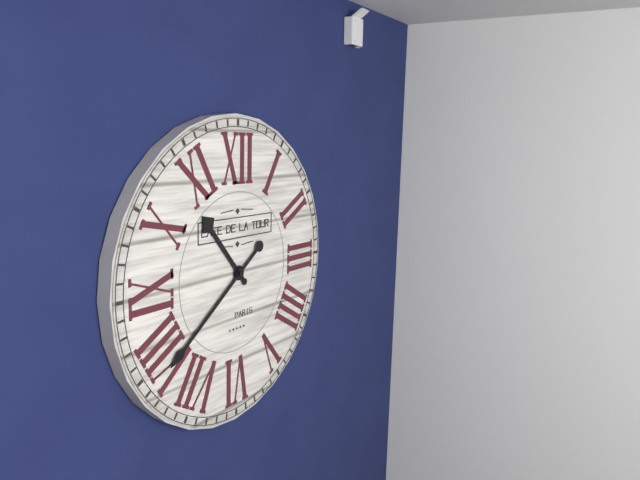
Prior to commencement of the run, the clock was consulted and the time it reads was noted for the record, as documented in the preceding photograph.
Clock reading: 10:39
